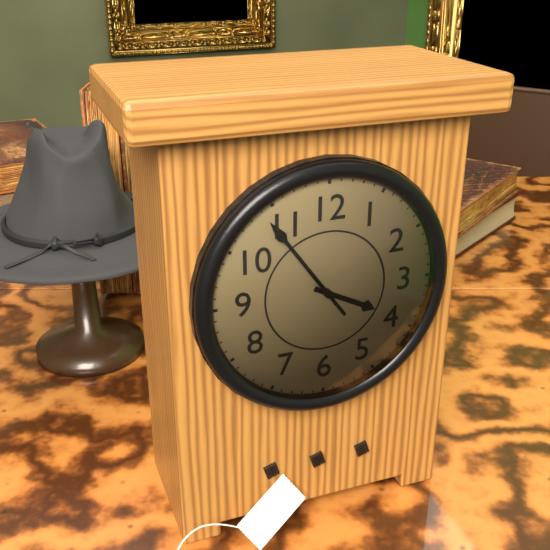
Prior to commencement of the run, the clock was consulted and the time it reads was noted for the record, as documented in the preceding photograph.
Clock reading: 3:54
